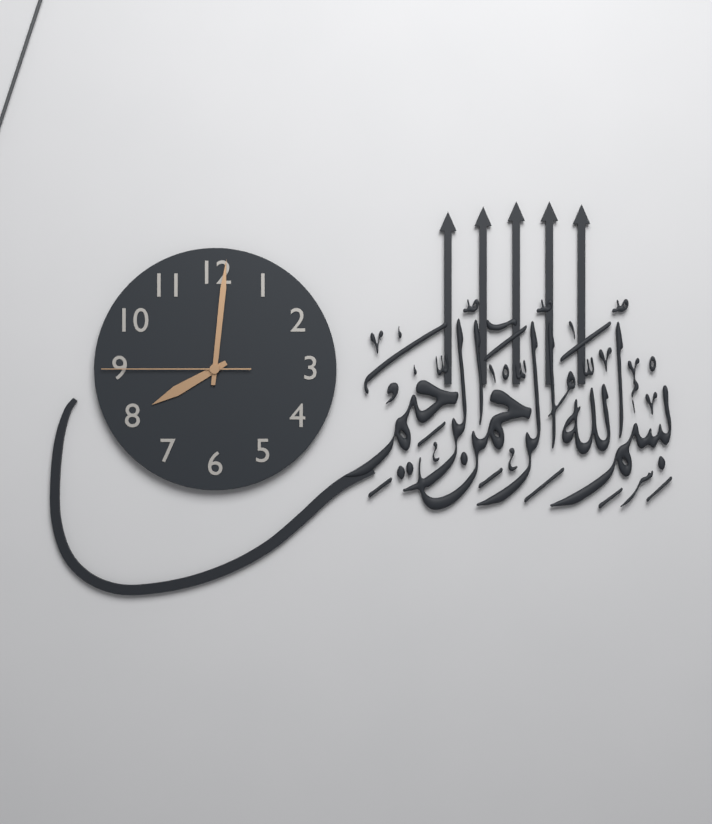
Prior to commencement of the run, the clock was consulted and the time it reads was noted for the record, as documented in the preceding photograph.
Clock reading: 8:01:45
